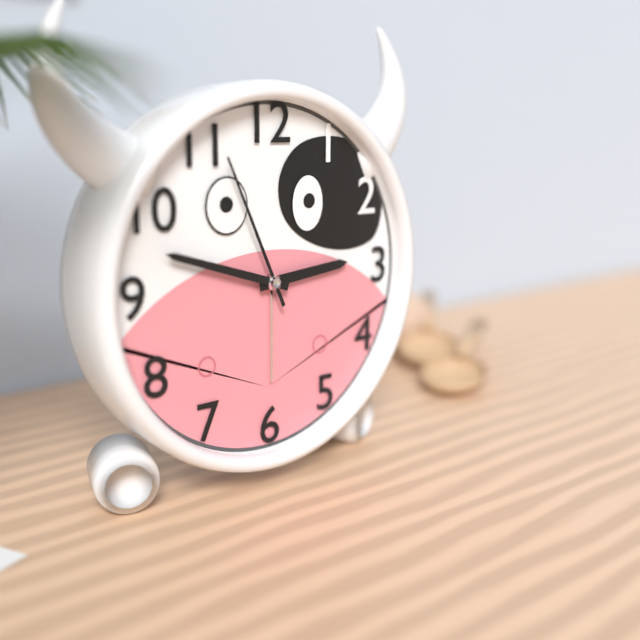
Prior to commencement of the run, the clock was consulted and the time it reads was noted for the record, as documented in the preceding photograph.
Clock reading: 2:48:56
